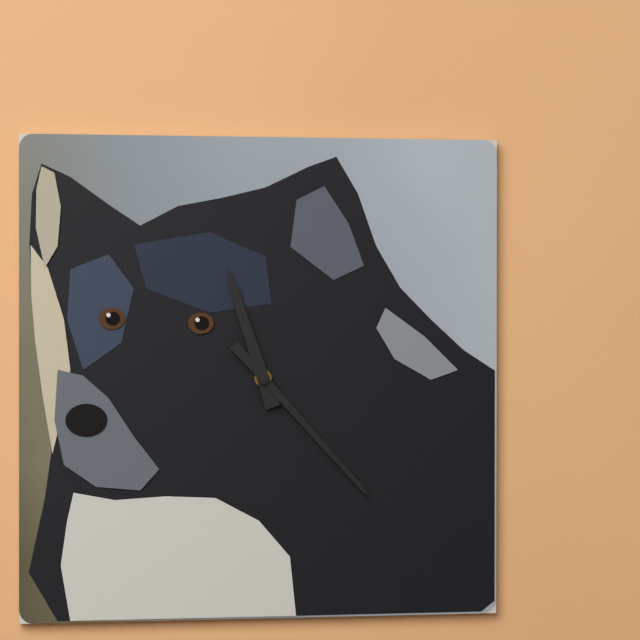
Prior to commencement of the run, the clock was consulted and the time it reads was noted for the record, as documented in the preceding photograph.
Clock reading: 11:23
